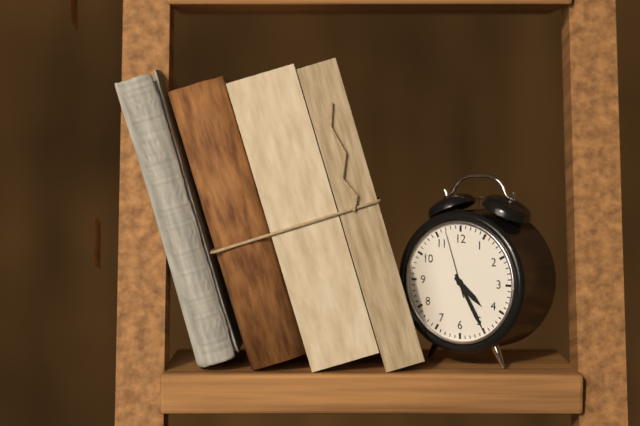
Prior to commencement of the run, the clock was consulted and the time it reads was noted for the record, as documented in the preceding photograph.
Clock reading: 4:25:57
